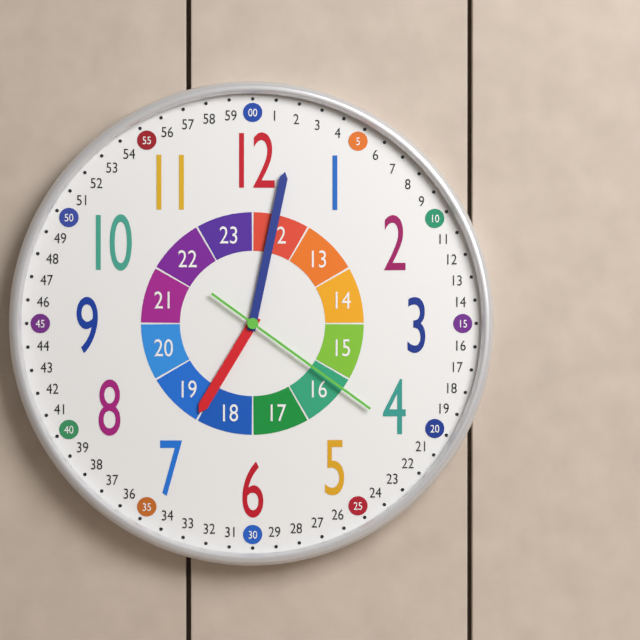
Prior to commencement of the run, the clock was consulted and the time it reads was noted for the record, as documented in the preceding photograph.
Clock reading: 7:02:21
